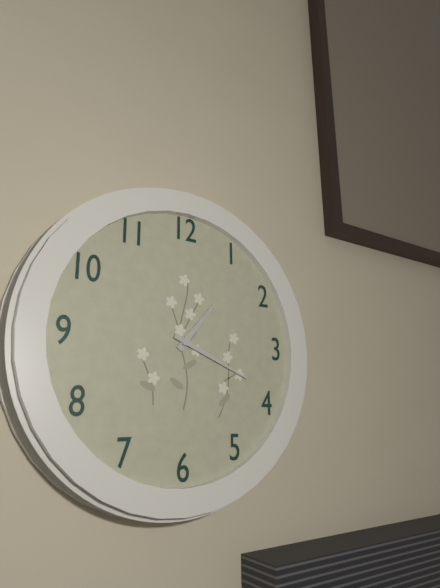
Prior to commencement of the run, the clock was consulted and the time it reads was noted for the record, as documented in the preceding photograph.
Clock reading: 1:19
